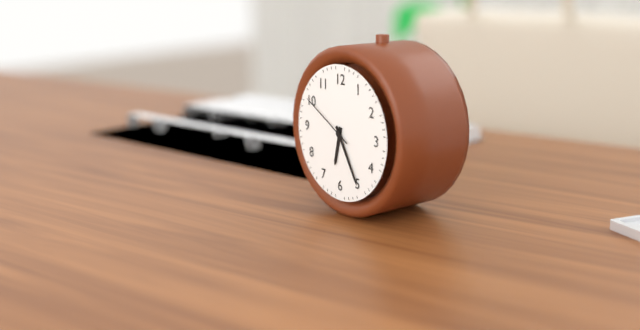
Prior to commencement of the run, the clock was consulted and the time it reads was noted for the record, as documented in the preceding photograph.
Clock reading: 6:25:50
